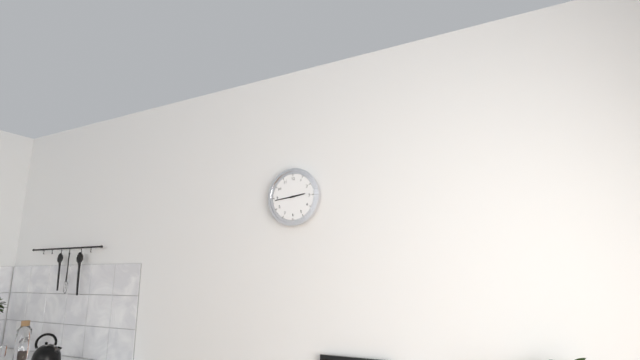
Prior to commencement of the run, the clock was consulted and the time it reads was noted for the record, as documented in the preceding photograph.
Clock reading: 2:44
